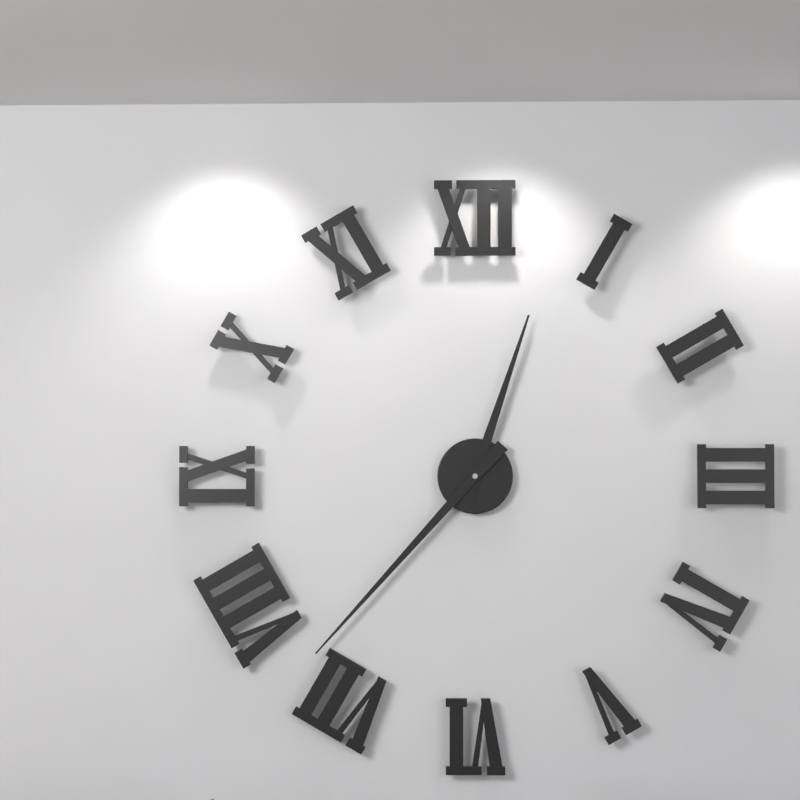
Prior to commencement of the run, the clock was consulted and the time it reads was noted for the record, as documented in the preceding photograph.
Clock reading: 12:37
